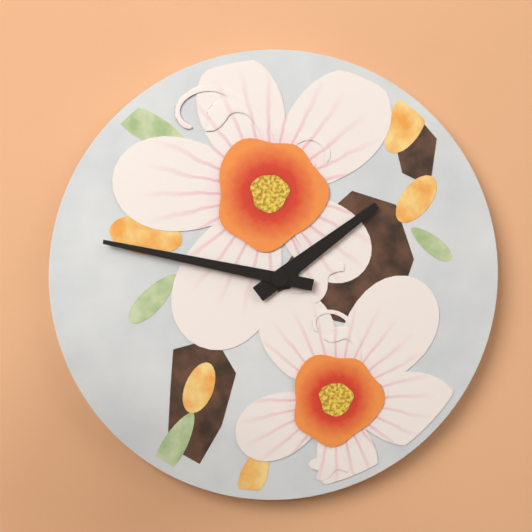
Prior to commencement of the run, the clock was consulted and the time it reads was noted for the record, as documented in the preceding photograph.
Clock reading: 1:47
